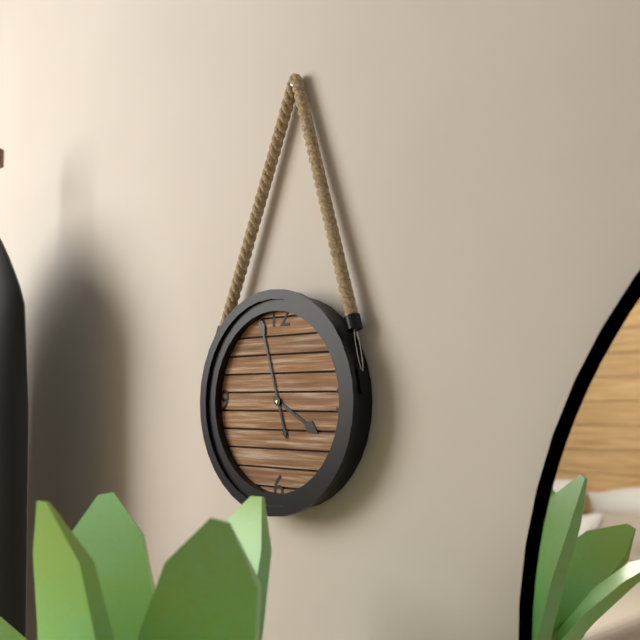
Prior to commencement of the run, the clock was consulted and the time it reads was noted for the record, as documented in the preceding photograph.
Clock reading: 3:57
